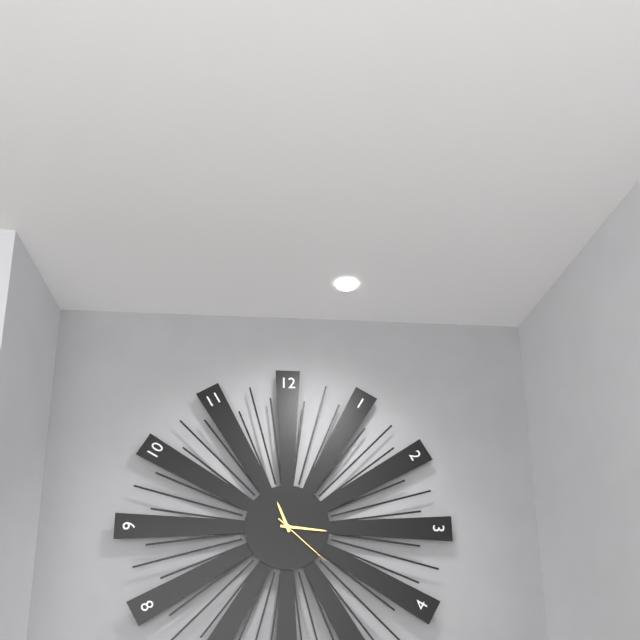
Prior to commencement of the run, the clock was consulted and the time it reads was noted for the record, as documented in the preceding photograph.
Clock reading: 11:16:22
